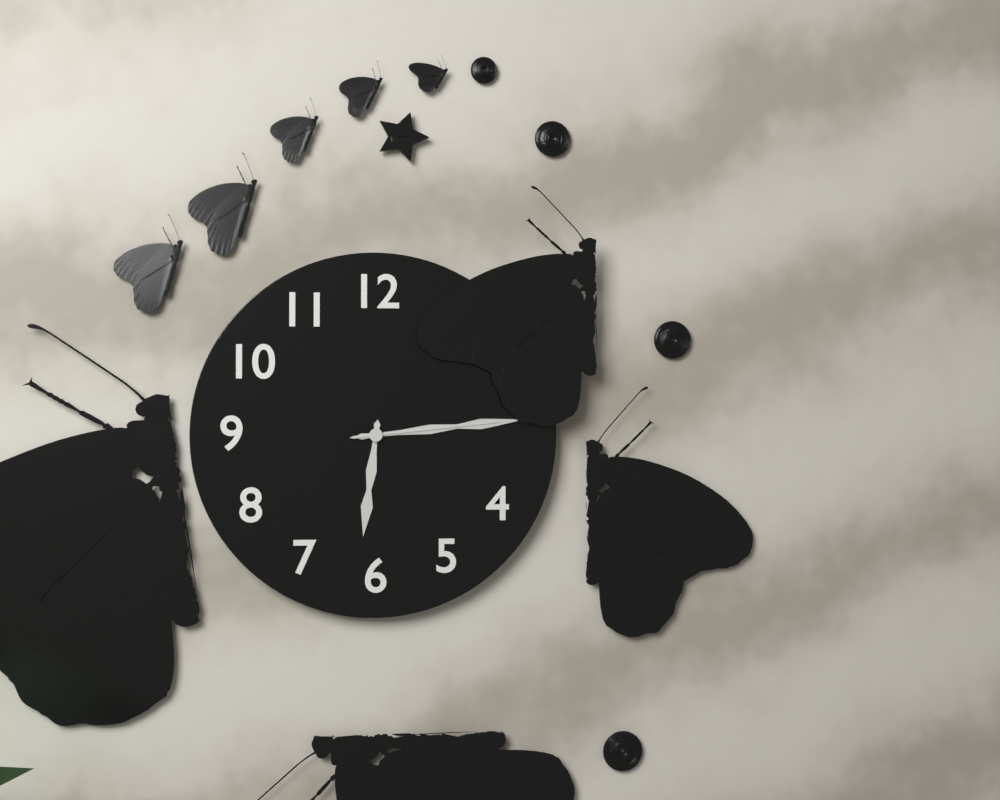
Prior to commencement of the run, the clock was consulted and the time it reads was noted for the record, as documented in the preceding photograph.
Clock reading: 6:14:14
